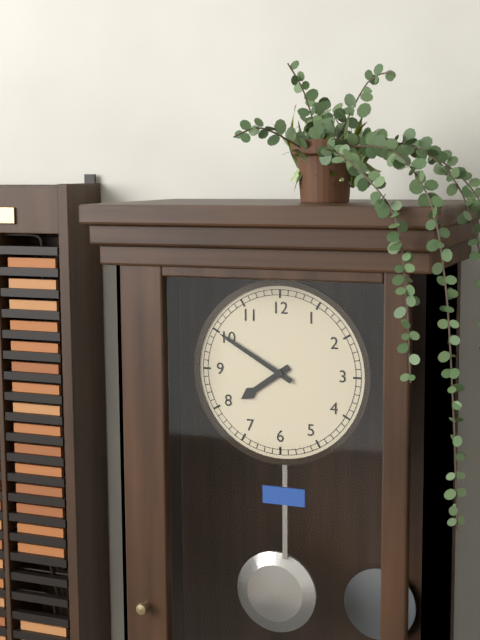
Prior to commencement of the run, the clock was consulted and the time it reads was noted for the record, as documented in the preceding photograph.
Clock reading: 7:50
